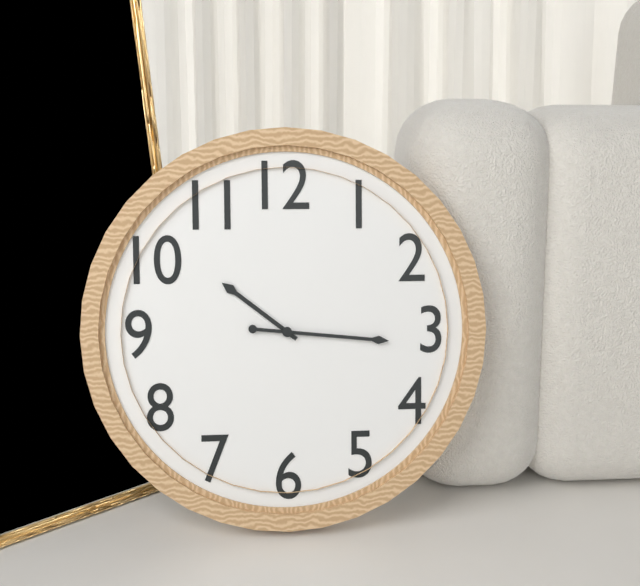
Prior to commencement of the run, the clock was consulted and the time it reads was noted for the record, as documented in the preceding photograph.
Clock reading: 10:16
